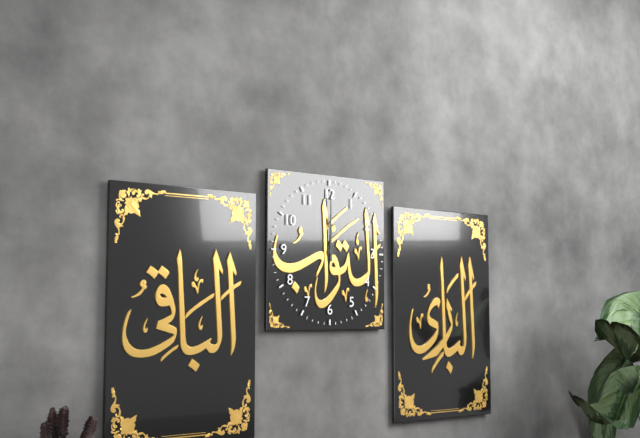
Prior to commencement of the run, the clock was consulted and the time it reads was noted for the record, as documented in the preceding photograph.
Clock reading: 12:00
